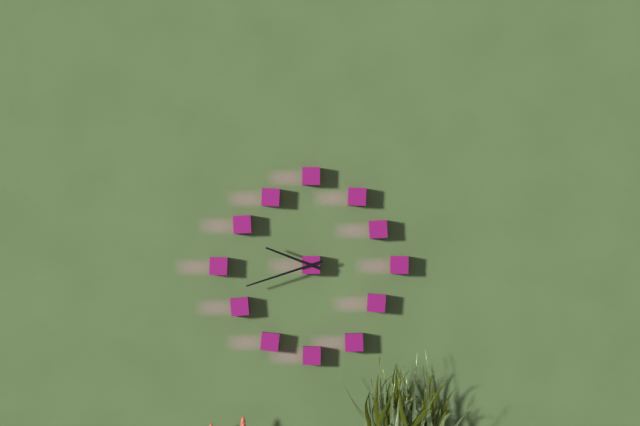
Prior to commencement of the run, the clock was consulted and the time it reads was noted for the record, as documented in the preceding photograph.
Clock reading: 9:42
